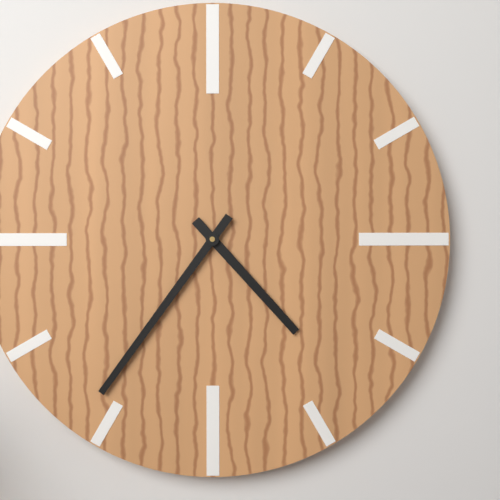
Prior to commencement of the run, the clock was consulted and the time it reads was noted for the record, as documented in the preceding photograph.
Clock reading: 4:36
